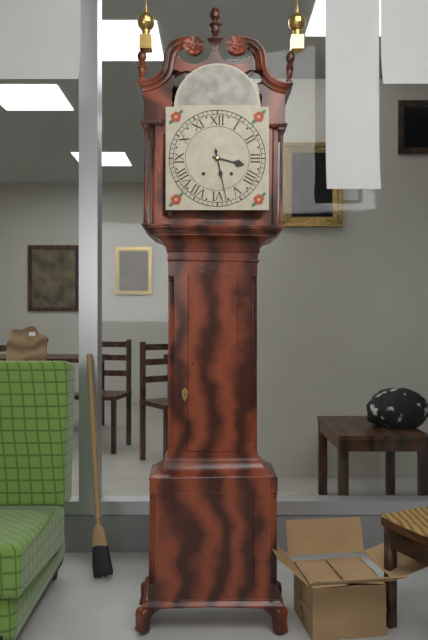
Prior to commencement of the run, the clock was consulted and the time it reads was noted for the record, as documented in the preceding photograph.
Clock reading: 3:28
